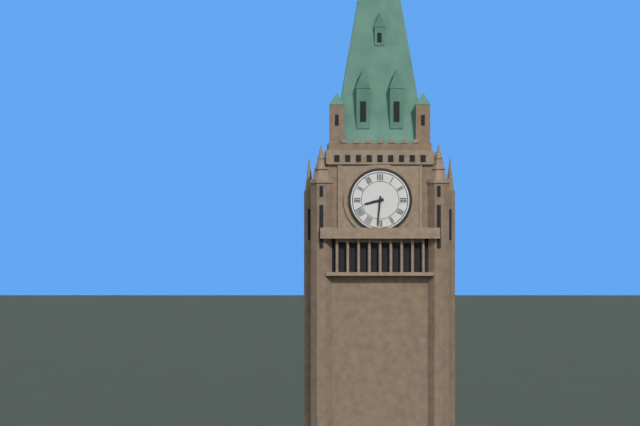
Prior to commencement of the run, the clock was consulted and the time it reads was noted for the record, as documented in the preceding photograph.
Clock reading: 8:31
